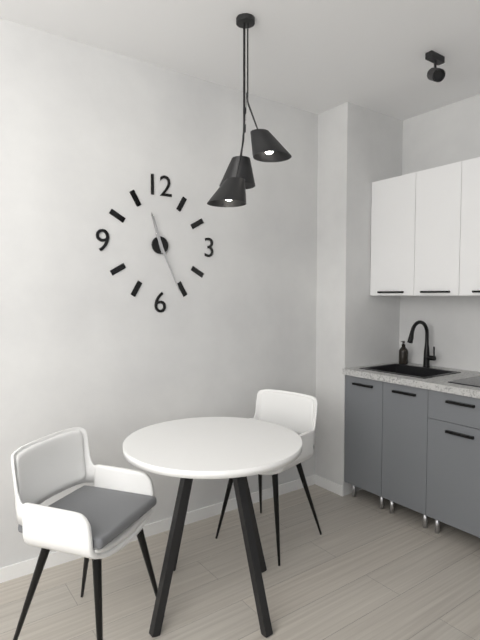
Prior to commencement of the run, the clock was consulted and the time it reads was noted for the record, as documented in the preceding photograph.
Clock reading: 11:26
